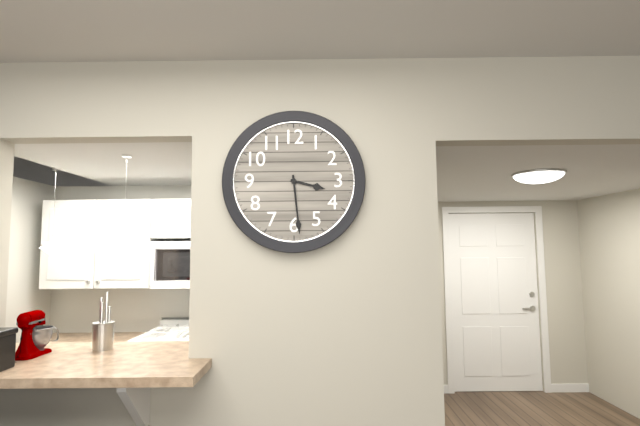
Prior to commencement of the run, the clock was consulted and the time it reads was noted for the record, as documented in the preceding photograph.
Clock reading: 3:29
